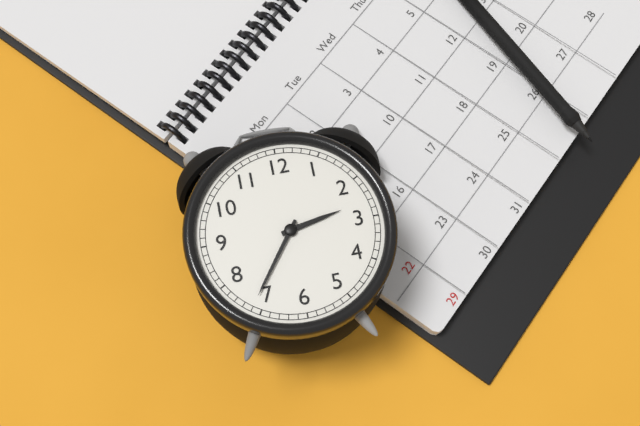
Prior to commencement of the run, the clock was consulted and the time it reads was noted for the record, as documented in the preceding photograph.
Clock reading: 2:36
